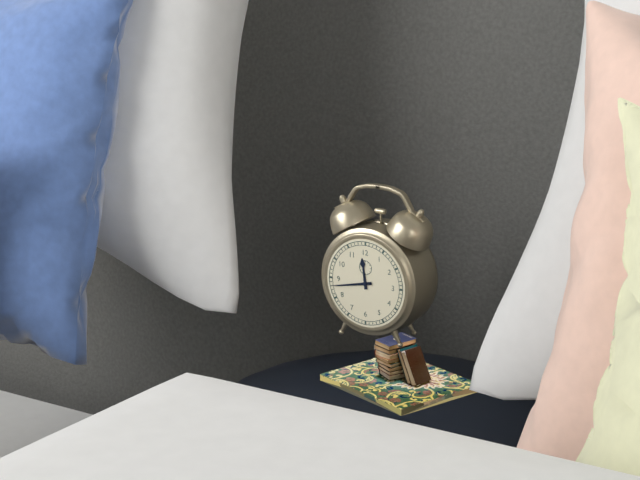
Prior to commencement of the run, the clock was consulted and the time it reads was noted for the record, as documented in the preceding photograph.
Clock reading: 11:43
